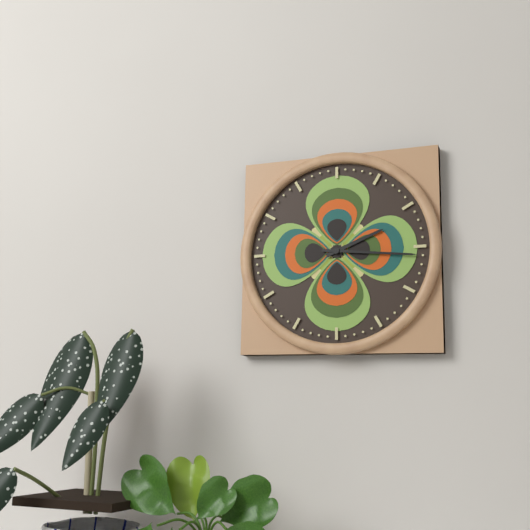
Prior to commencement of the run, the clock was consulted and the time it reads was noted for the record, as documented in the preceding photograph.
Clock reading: 2:16
